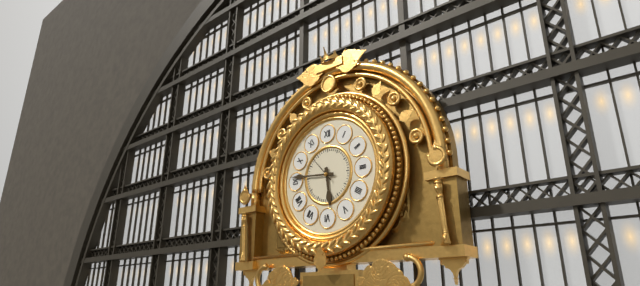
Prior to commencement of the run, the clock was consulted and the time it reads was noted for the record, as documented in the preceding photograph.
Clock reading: 5:46
